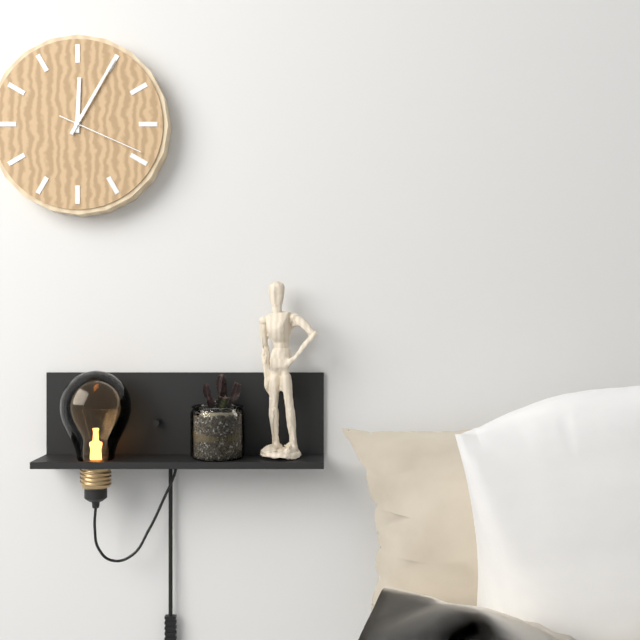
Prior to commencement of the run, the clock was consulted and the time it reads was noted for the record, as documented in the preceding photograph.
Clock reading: 12:05:19
